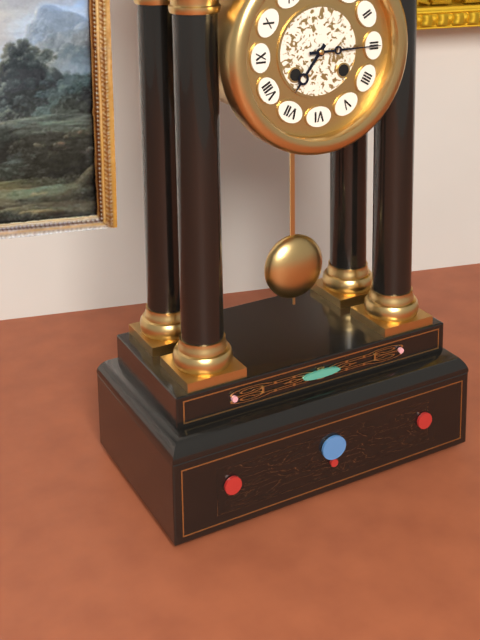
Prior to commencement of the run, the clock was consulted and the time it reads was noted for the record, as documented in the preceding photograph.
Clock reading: 7:15
